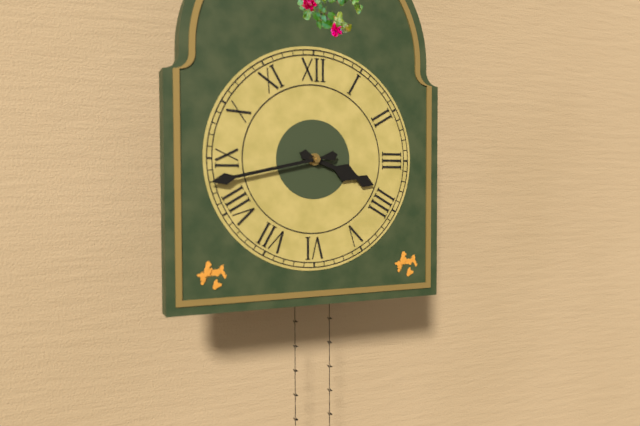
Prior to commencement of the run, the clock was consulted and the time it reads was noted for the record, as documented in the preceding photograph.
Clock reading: 3:43
